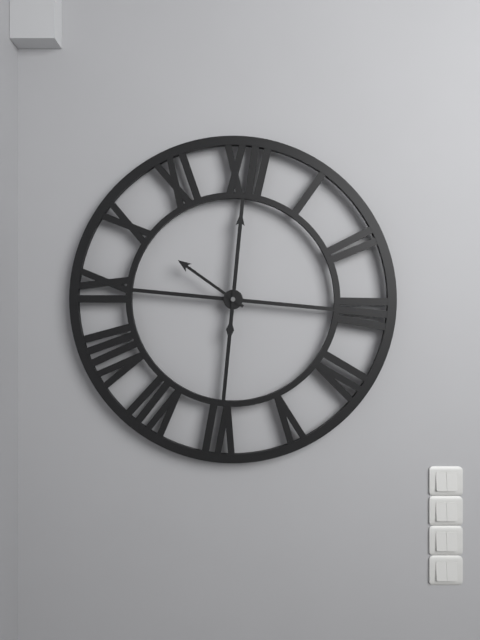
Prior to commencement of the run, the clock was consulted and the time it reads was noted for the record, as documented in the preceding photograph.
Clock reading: 10:00
